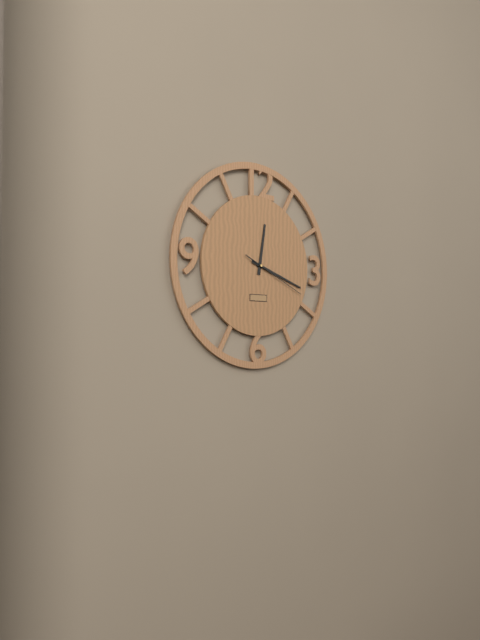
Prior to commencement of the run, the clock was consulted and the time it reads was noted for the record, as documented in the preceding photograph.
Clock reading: 12:18:19
